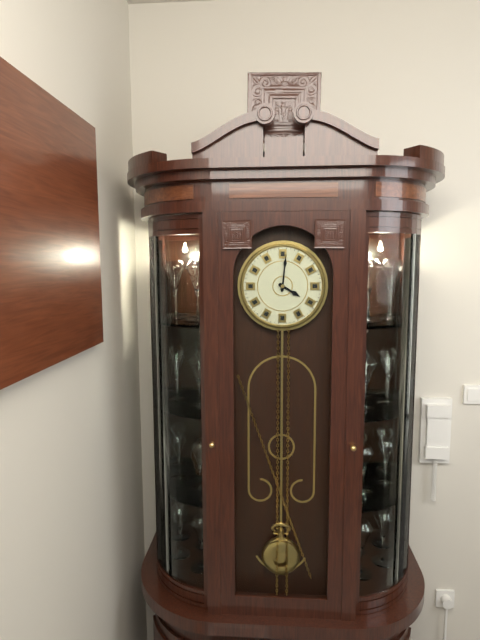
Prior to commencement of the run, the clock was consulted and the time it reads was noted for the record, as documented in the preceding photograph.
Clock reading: 4:01
